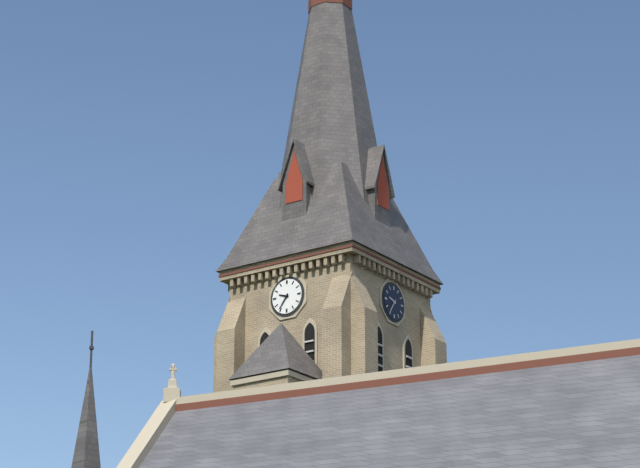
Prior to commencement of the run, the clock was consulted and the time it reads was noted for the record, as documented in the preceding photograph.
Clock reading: 9:36
